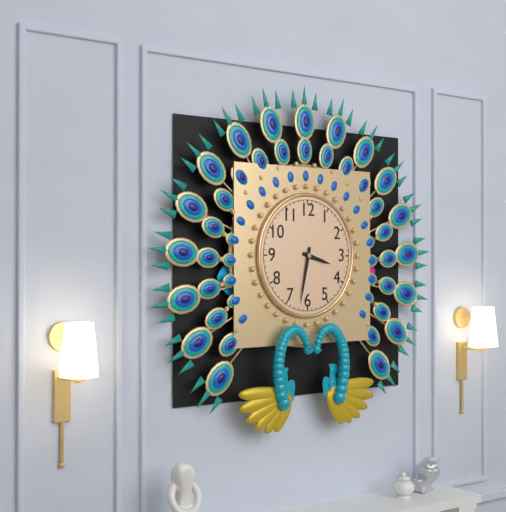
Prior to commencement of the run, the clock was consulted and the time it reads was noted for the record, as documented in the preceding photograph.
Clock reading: 3:32
